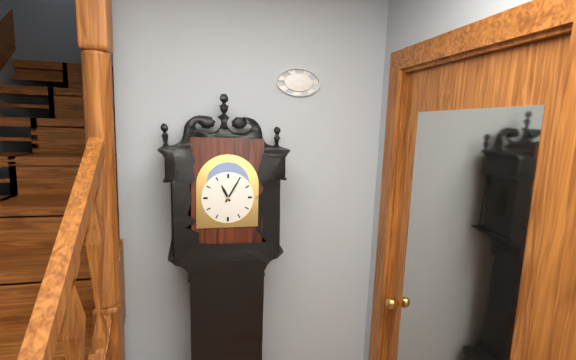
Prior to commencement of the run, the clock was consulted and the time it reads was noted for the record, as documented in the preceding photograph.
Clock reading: 11:05
